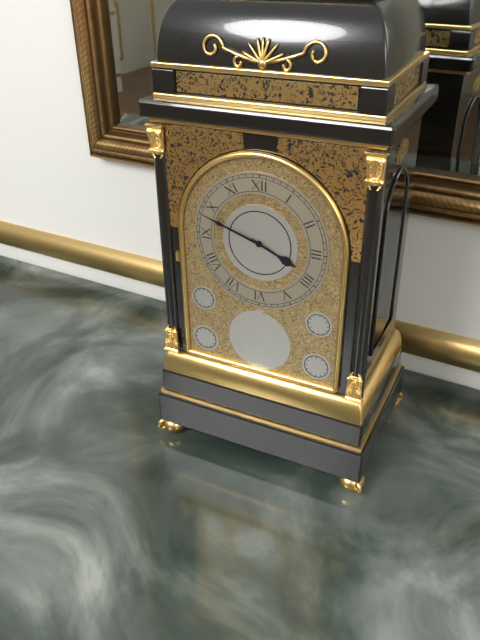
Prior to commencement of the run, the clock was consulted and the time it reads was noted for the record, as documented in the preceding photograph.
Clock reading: 3:48
